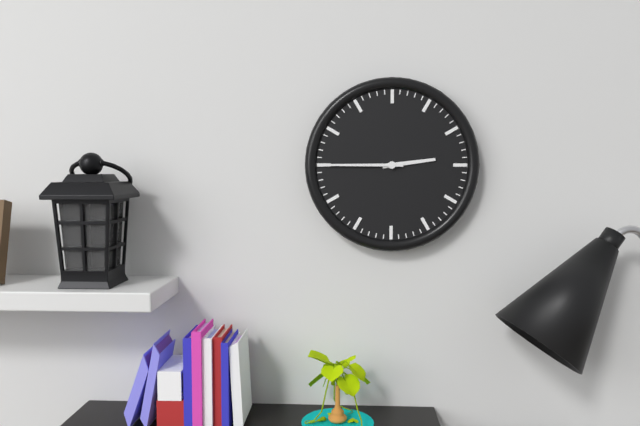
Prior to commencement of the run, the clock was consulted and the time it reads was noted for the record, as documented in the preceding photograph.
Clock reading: 2:45
